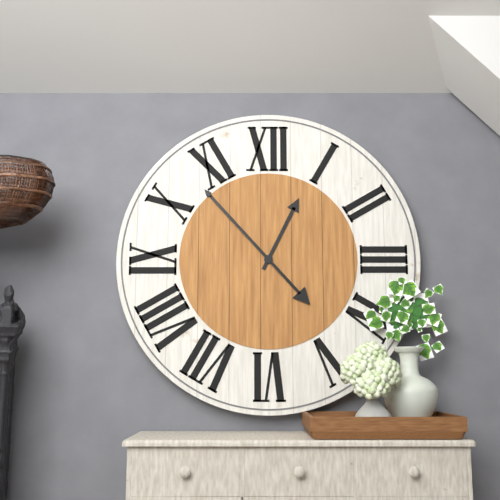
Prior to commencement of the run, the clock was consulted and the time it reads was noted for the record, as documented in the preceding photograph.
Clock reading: 12:53
